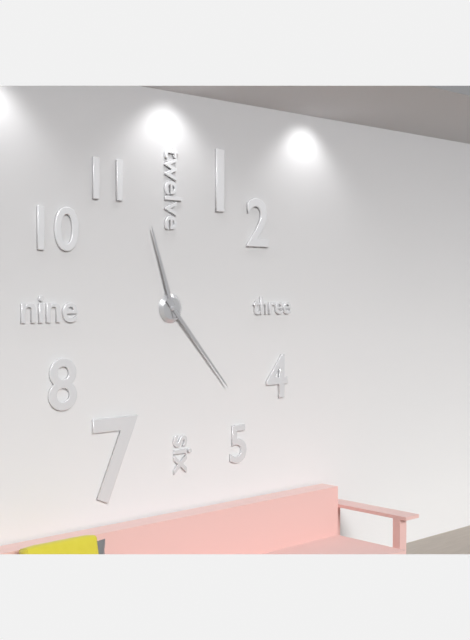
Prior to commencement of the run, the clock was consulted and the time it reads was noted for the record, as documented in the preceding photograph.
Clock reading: 11:23
